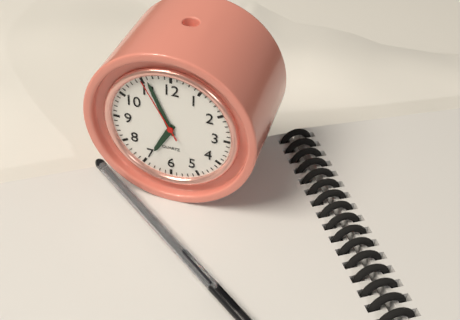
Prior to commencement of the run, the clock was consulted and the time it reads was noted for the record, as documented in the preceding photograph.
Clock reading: 6:56:55
